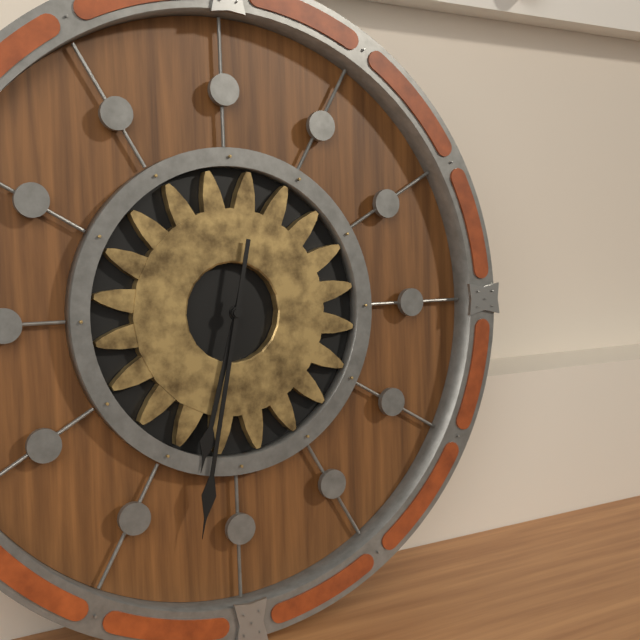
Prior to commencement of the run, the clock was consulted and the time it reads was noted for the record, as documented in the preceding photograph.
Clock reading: 6:32
